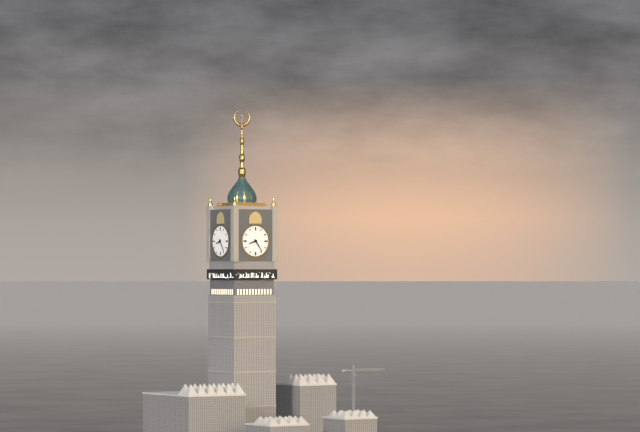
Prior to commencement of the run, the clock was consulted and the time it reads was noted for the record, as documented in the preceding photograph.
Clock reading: 8:24
